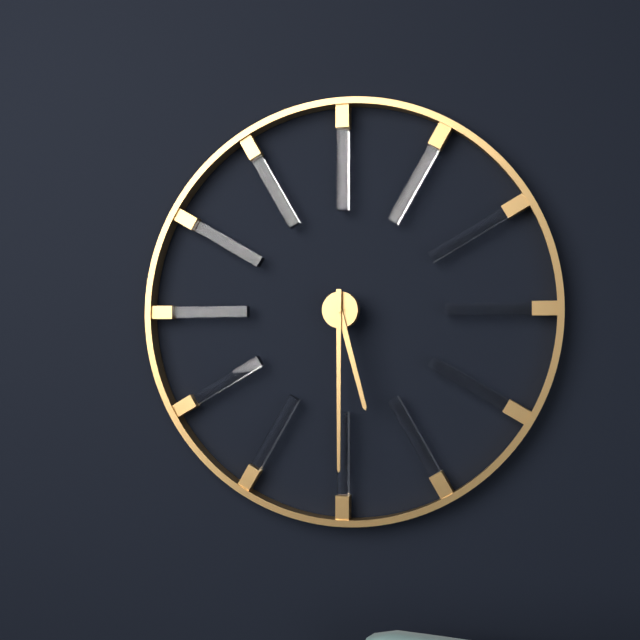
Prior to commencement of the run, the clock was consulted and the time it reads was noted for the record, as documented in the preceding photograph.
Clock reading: 5:30
